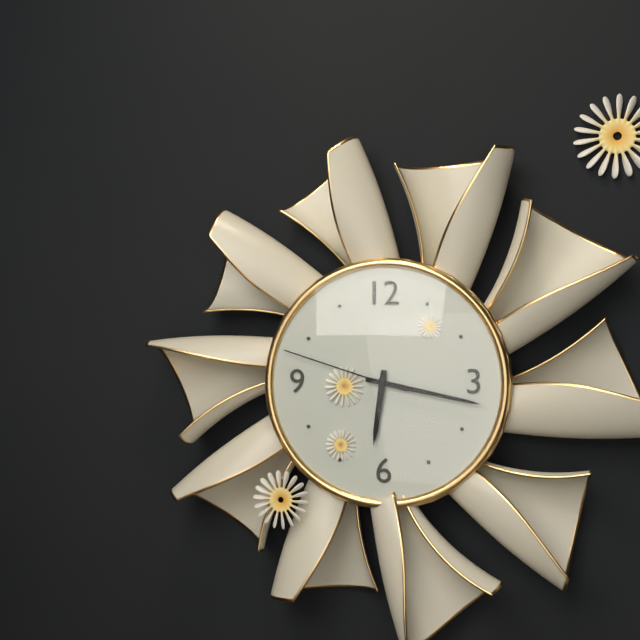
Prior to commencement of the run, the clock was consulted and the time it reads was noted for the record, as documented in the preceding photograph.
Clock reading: 6:17:48
